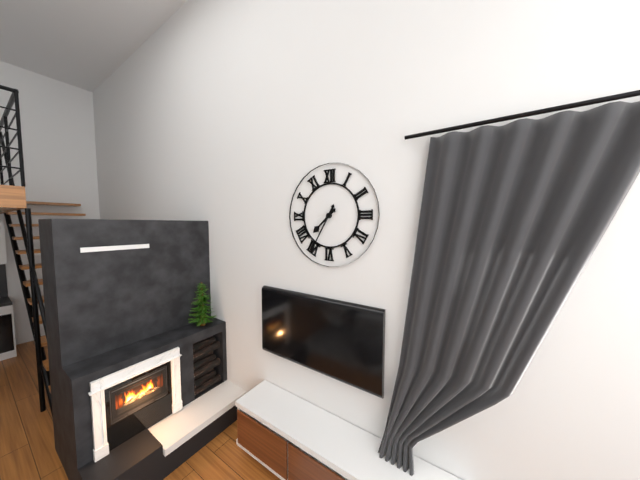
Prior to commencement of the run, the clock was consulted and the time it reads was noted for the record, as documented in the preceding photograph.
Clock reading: 7:35
